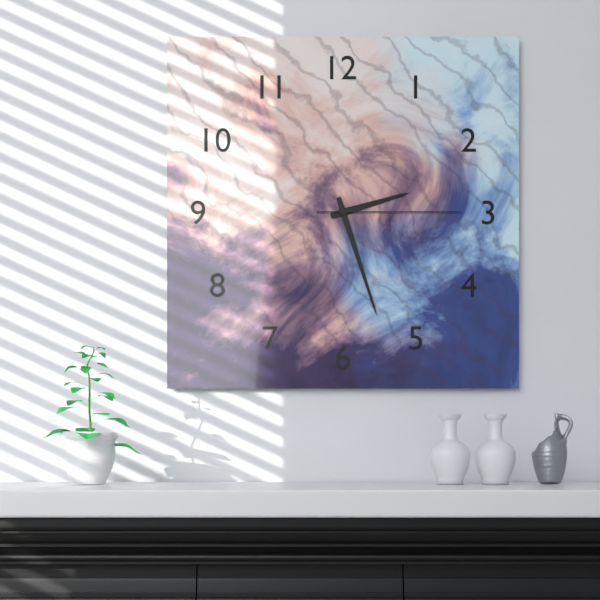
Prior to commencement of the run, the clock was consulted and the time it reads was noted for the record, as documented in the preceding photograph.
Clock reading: 2:27:15
